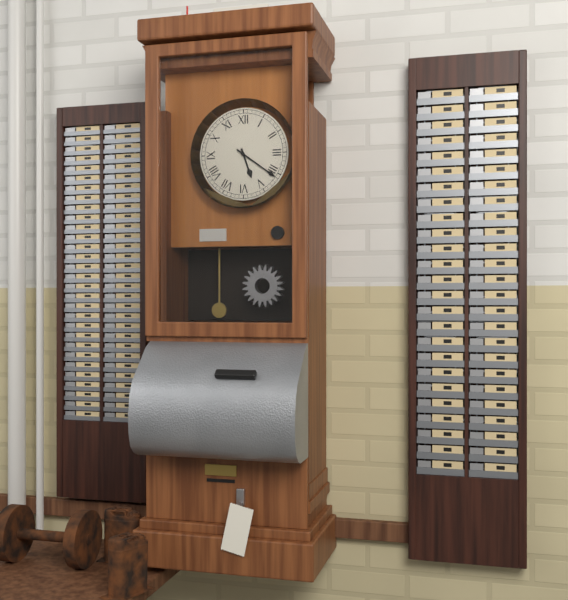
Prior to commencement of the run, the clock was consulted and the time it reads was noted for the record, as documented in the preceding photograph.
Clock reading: 5:21
